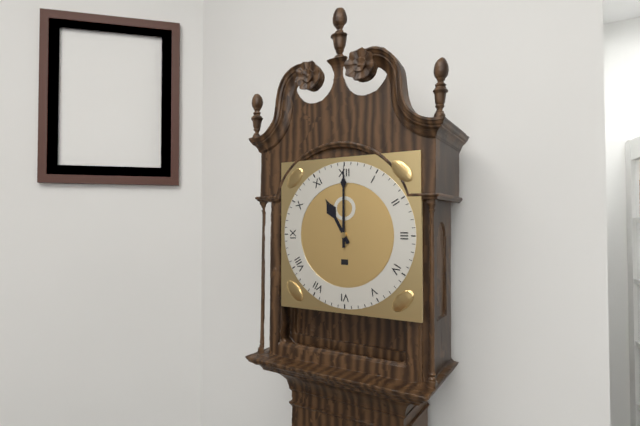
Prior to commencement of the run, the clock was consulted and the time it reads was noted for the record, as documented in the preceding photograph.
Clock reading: 11:00
